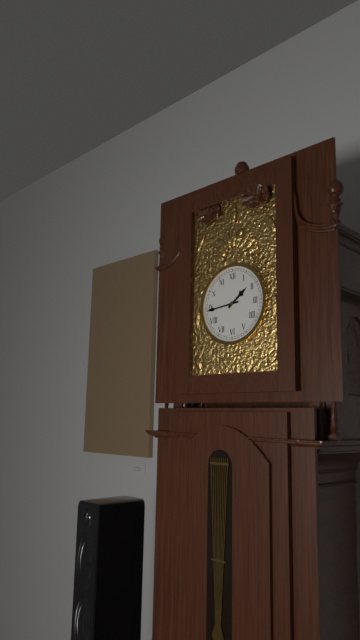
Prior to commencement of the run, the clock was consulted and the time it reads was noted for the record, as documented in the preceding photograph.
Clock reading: 1:44
